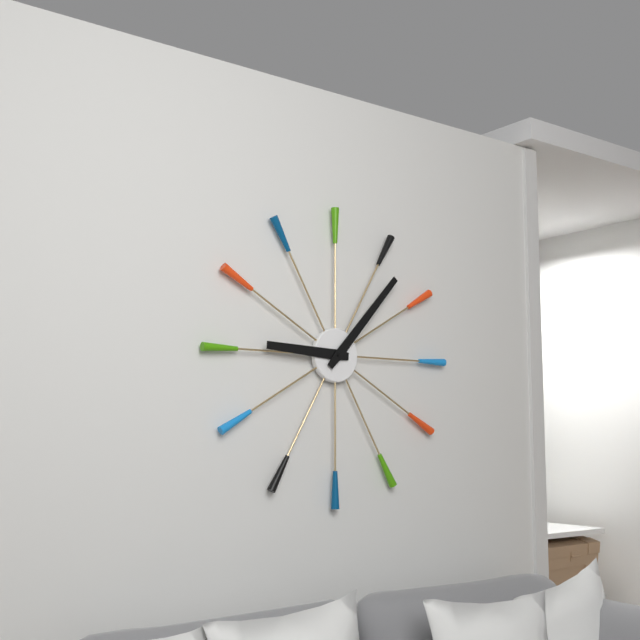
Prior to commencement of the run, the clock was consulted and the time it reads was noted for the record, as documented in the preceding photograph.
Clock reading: 9:07
